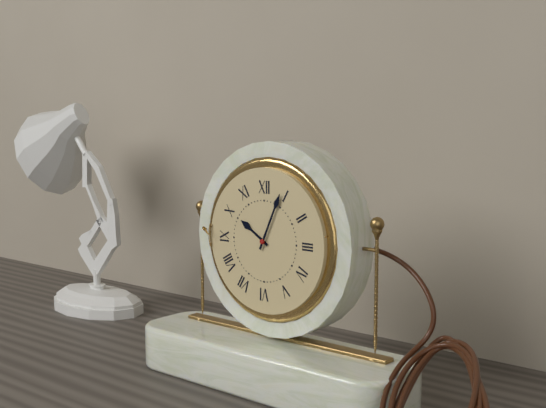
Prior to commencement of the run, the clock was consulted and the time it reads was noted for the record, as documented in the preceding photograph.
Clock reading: 10:04
